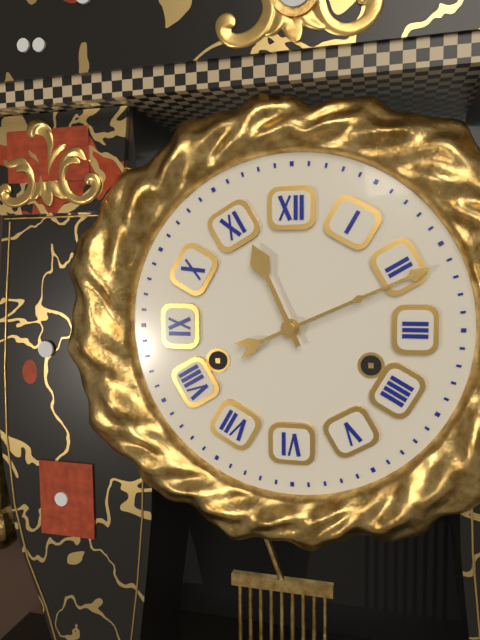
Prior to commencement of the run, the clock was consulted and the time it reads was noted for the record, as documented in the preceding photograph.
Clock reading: 11:11
